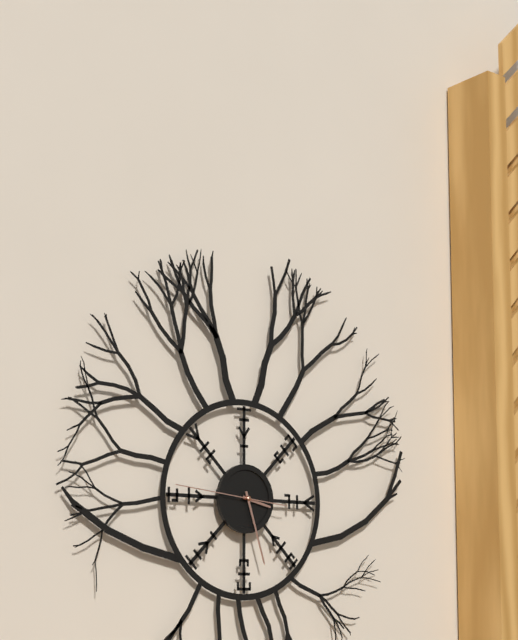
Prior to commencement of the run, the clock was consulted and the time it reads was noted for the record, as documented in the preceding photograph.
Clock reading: 3:27:46
